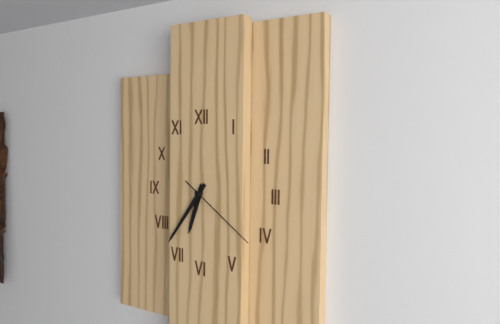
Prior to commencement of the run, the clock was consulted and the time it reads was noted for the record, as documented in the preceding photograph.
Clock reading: 6:36:21
